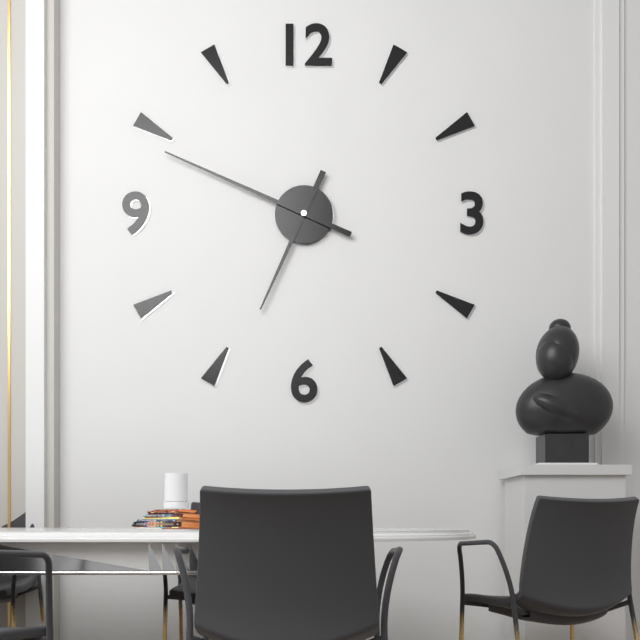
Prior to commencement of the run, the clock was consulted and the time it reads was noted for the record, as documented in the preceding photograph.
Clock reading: 6:49
